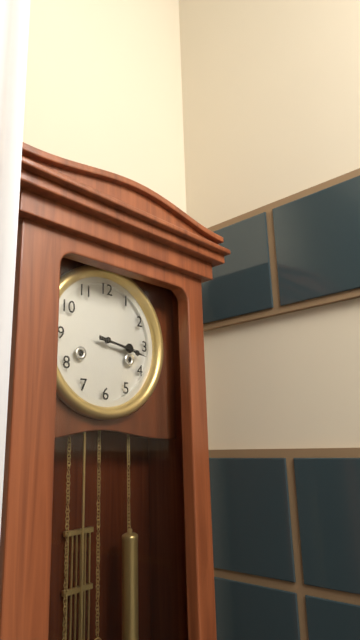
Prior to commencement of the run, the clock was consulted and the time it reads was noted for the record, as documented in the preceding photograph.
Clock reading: 3:17
